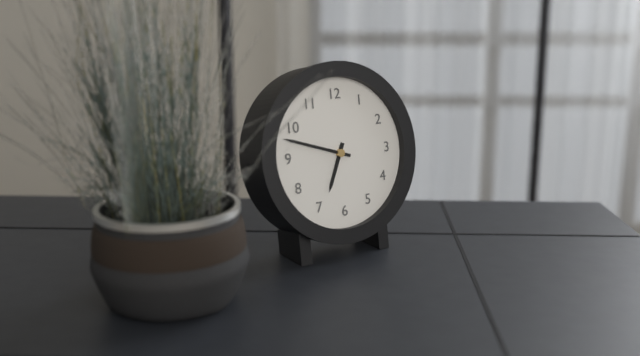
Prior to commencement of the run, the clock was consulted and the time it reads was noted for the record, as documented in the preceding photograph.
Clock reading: 6:48
